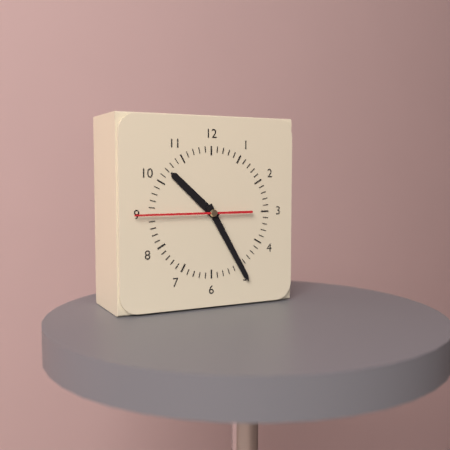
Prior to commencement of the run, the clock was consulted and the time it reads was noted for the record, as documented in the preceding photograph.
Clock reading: 10:25:45
